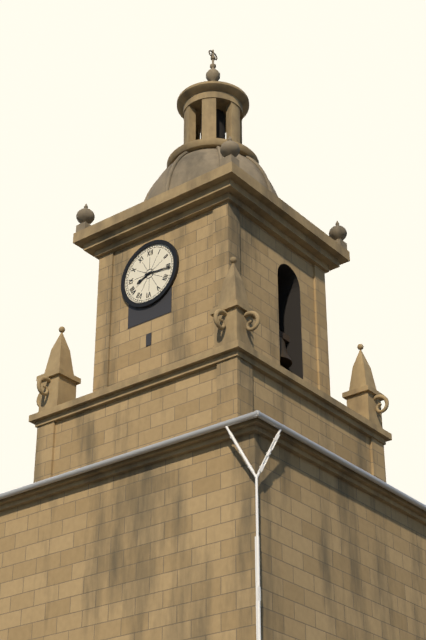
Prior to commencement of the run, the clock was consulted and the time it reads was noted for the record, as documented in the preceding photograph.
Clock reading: 8:16
